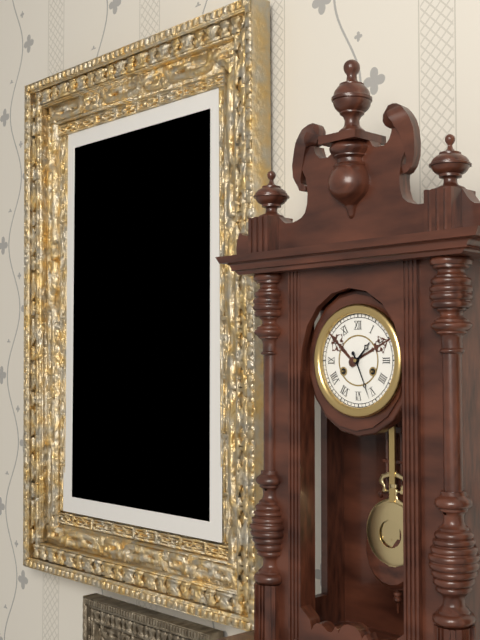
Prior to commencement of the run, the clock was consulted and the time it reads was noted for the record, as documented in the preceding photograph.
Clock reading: 1:26
